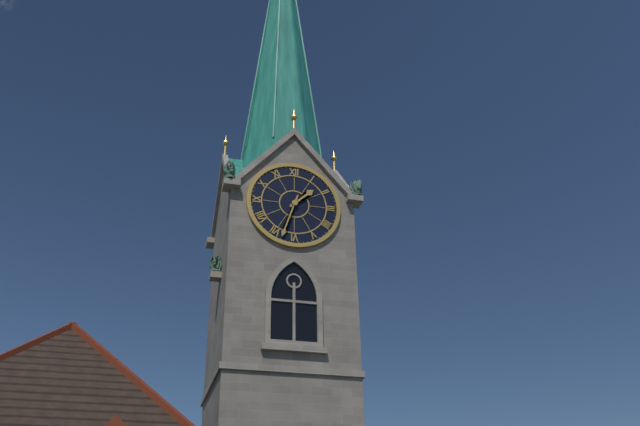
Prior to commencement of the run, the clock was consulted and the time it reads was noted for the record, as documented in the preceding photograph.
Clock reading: 1:33
